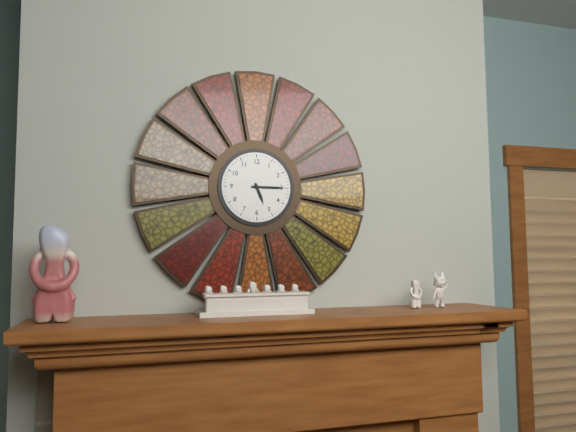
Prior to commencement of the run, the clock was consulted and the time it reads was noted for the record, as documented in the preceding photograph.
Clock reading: 5:15
